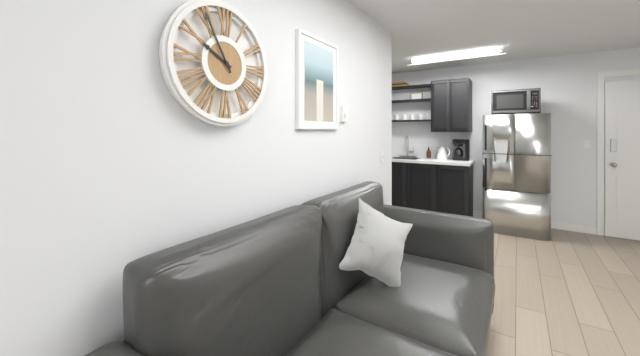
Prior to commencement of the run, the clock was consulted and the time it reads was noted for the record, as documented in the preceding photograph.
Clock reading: 9:55
